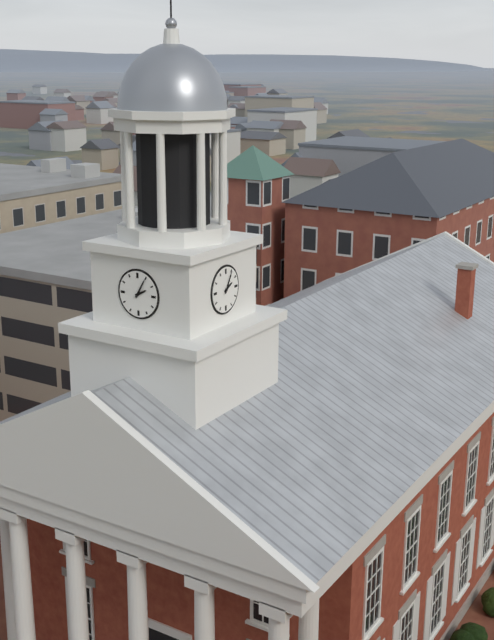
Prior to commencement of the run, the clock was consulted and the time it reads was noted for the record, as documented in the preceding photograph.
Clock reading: 2:05
